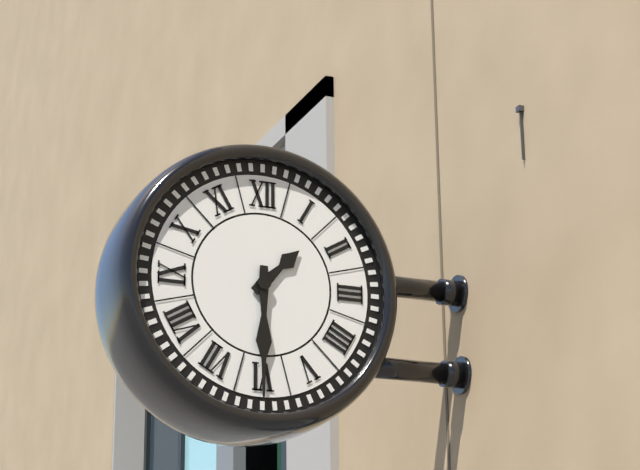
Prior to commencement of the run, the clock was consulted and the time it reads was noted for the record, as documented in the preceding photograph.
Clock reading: 1:30
